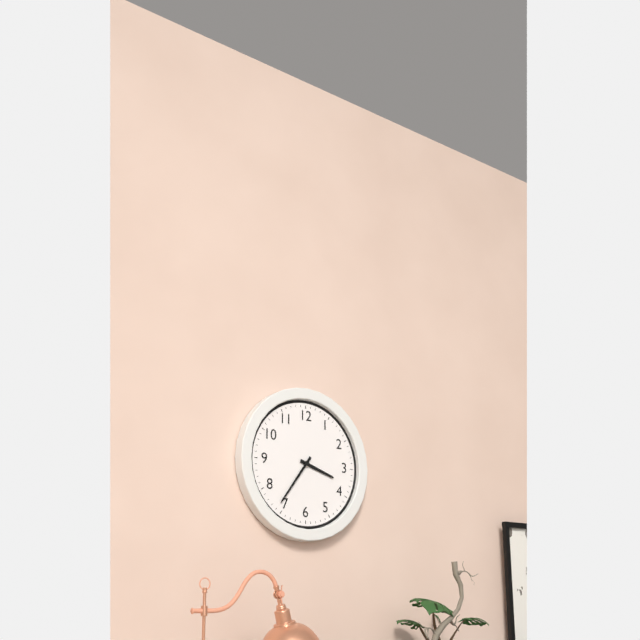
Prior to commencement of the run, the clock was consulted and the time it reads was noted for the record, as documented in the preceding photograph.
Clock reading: 3:36
